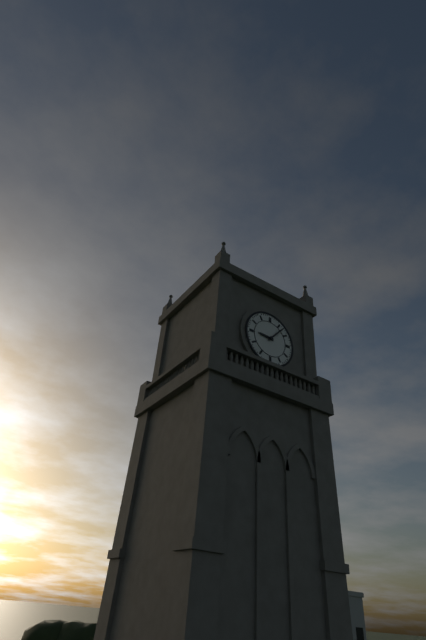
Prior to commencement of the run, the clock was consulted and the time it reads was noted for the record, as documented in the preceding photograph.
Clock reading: 9:07
